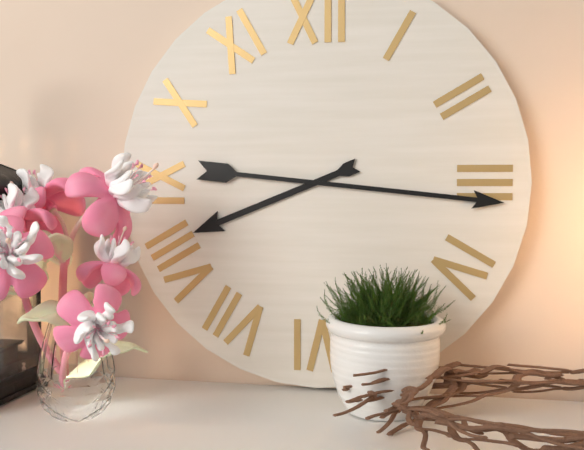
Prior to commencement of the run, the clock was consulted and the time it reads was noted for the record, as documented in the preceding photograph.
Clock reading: 8:16
